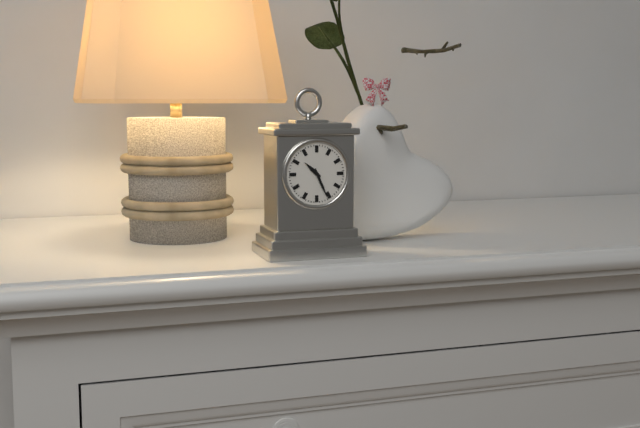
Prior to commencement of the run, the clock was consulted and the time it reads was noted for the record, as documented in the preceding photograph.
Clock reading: 10:26
